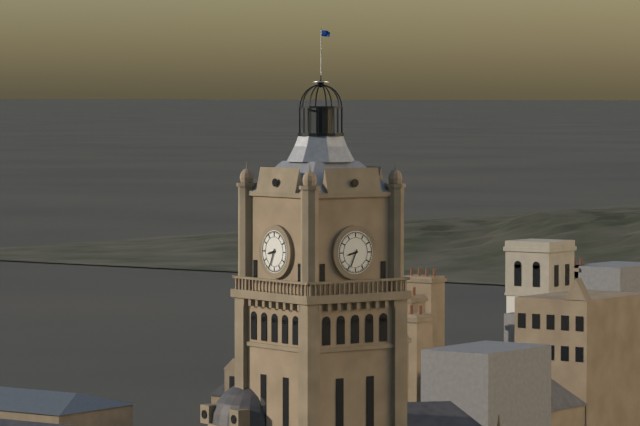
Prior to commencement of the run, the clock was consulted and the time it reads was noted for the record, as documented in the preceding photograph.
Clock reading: 8:34
